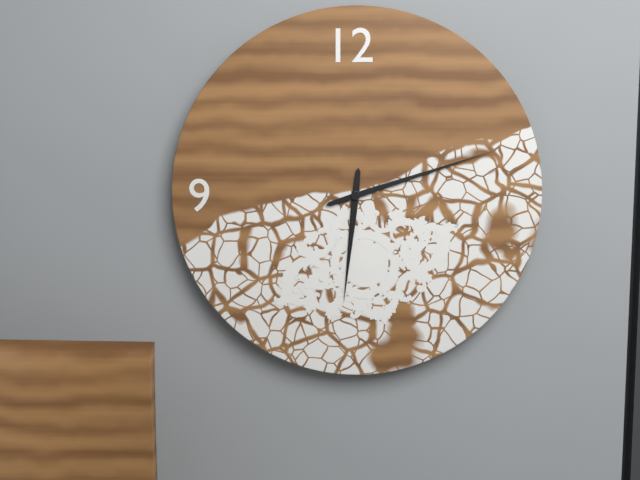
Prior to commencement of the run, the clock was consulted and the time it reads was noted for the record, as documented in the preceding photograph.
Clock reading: 6:12
